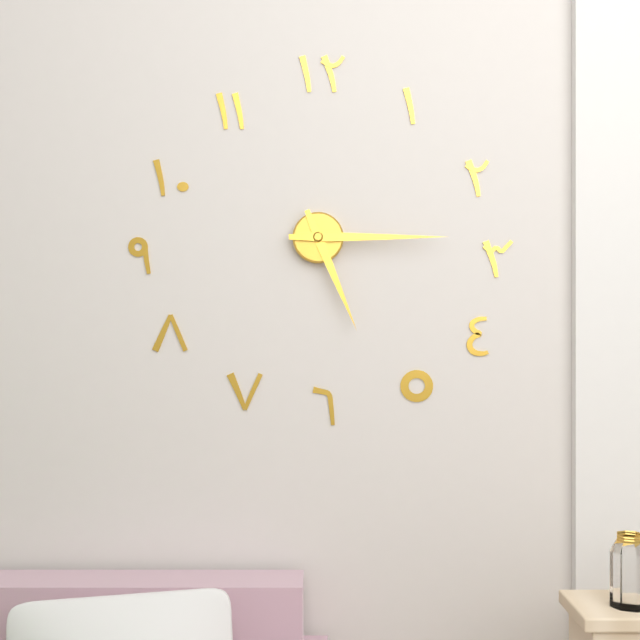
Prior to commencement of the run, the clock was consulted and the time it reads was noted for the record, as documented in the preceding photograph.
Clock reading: 5:15
